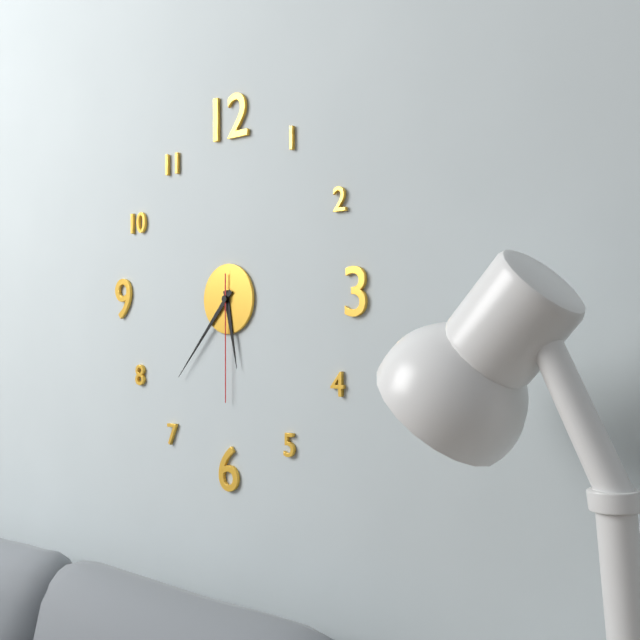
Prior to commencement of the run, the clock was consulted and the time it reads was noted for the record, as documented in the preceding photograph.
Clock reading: 5:37:30
